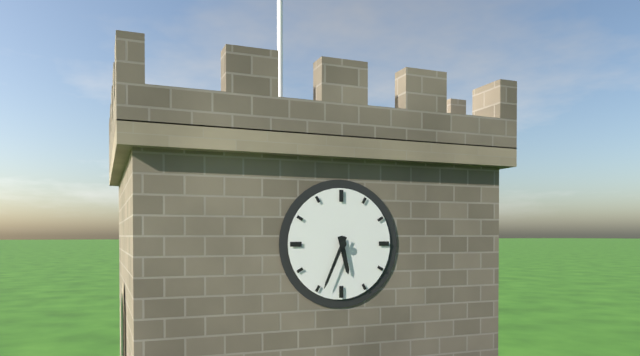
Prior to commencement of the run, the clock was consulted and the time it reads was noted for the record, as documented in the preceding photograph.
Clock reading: 5:34
